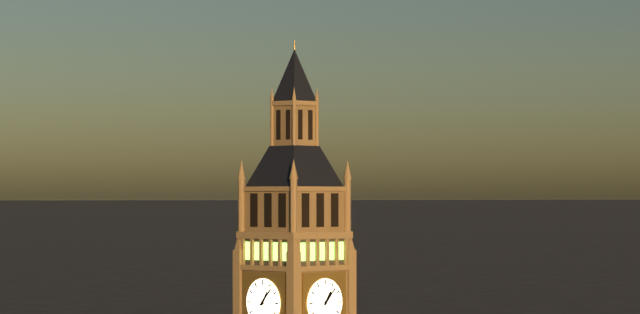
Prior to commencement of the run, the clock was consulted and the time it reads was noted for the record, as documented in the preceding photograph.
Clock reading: 1:07
